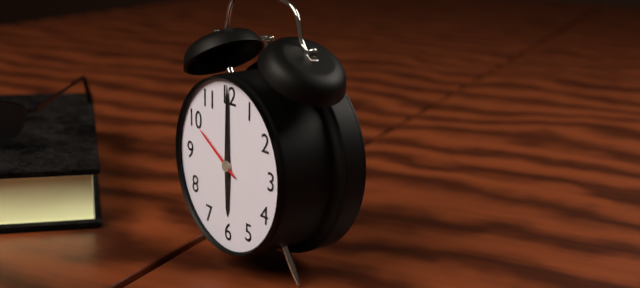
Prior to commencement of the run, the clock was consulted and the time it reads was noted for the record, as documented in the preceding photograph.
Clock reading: 6:00:50
